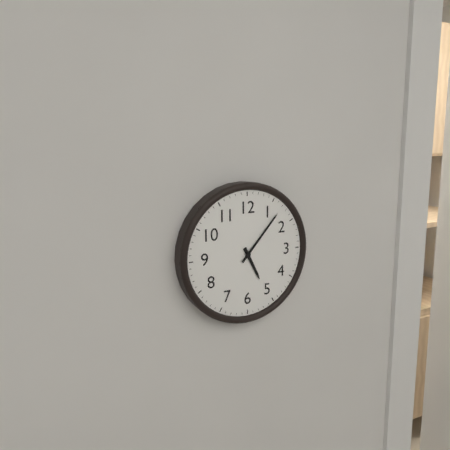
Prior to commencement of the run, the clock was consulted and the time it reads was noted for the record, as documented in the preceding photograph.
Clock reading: 5:07
